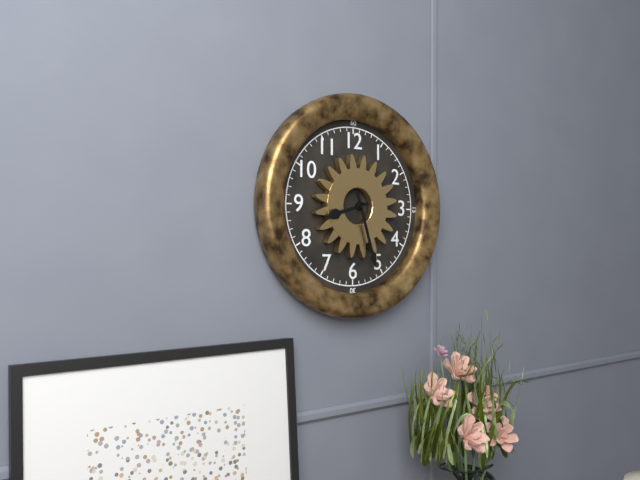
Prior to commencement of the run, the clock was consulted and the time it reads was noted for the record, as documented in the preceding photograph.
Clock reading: 8:27
